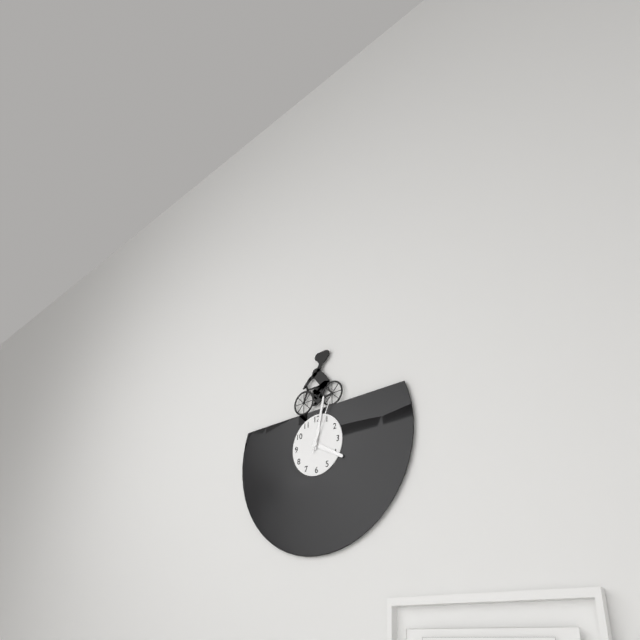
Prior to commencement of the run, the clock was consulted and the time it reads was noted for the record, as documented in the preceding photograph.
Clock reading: 4:02:04
